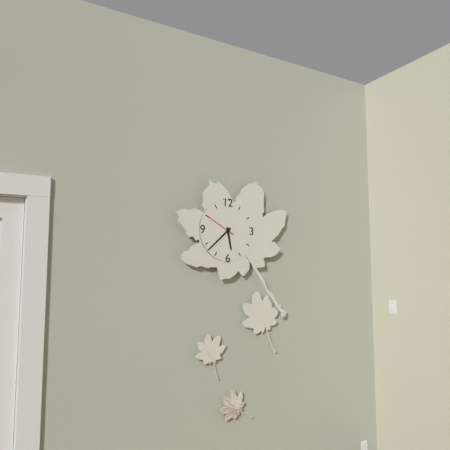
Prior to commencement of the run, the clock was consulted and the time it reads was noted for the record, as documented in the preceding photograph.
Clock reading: 5:38
